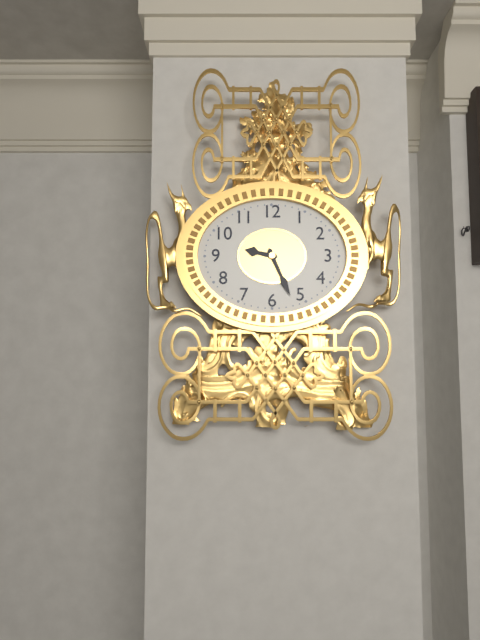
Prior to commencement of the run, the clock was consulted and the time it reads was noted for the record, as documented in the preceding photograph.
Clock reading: 9:26
